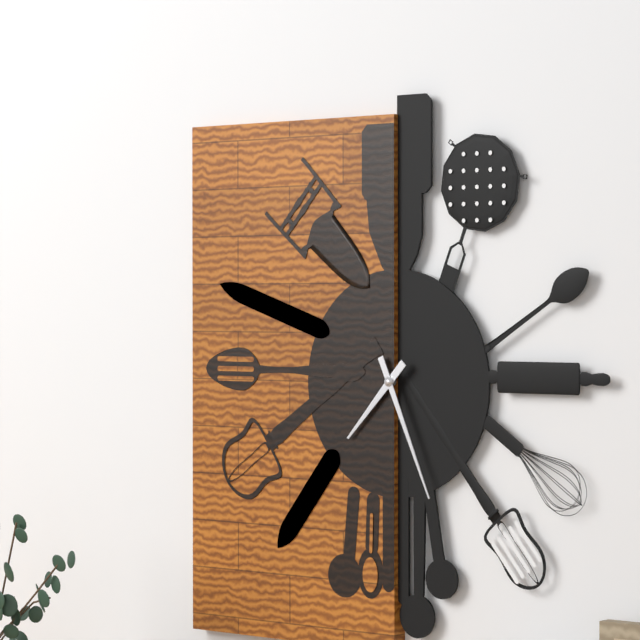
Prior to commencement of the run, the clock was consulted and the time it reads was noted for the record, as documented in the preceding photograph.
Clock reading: 7:26
